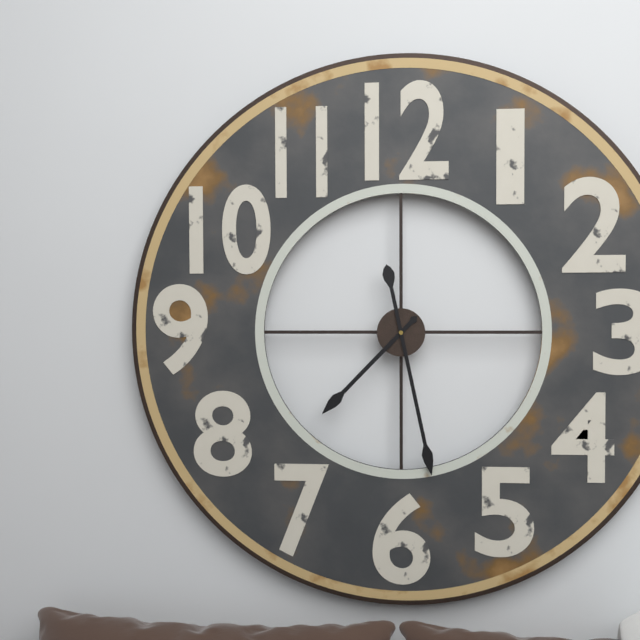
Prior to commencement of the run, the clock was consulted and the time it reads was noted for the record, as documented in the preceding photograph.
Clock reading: 7:28
